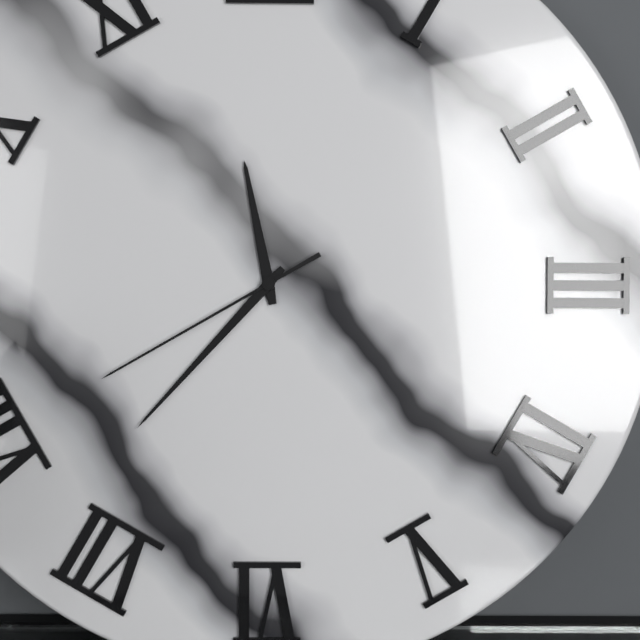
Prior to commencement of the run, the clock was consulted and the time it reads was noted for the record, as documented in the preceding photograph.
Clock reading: 11:37:40
